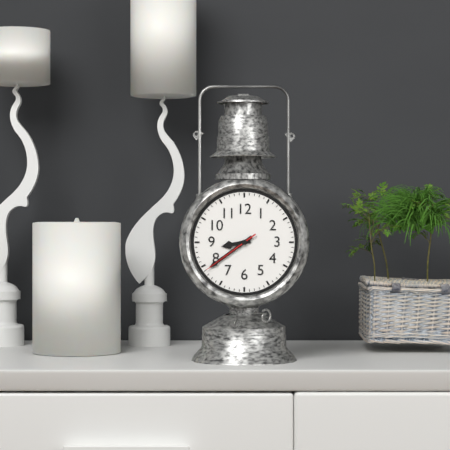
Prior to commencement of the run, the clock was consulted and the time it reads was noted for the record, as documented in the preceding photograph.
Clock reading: 8:39:39
